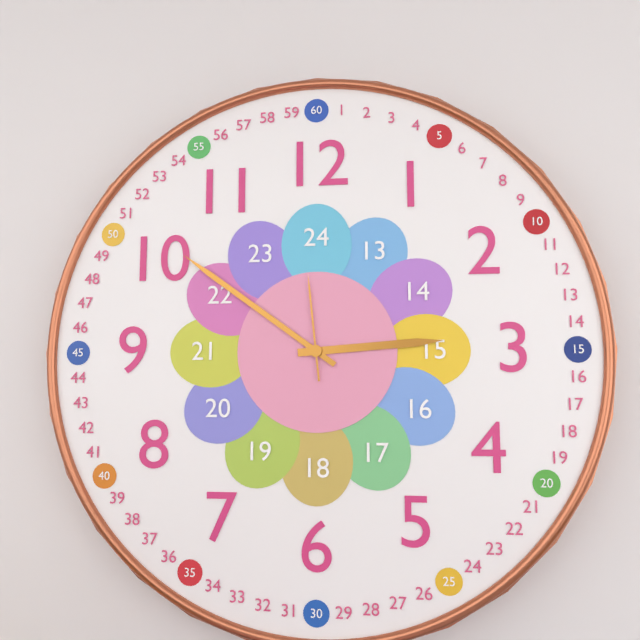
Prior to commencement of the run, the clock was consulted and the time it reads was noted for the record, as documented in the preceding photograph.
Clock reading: 2:51:59
